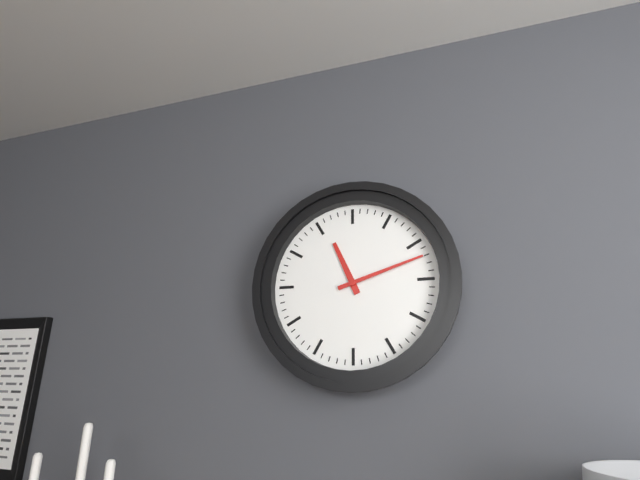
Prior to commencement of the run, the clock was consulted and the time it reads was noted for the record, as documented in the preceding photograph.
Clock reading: 11:12
